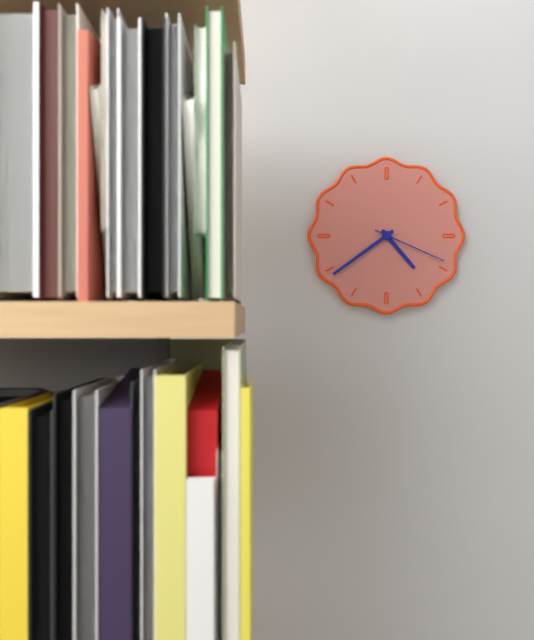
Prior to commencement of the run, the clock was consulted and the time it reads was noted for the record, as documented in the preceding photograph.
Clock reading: 4:39:19
